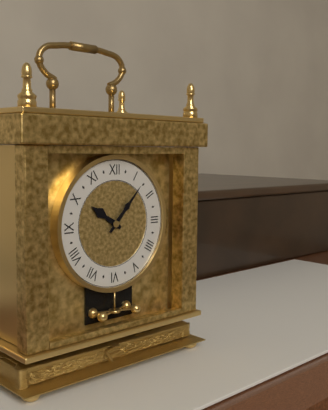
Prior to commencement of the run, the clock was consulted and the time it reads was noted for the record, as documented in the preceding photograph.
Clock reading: 10:07
